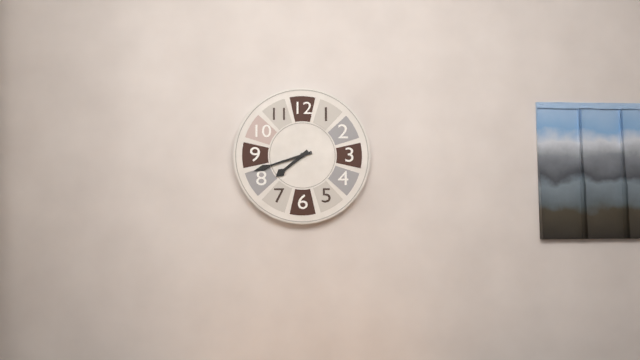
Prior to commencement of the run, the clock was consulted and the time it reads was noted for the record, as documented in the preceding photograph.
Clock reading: 7:42
